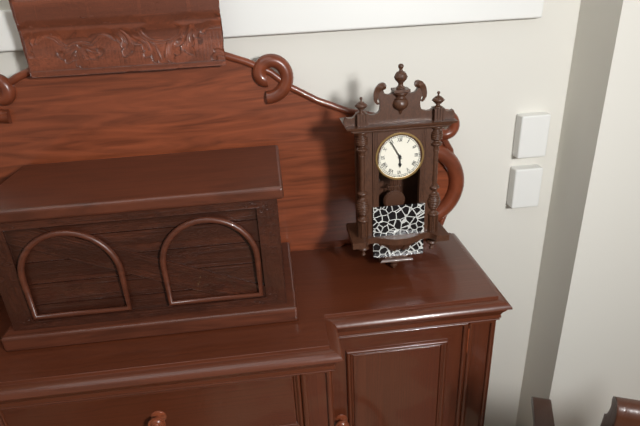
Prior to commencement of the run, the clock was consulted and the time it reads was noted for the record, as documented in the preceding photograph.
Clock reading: 5:55
